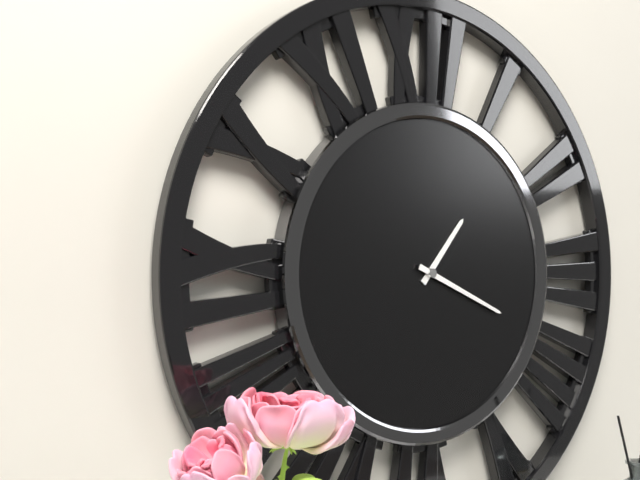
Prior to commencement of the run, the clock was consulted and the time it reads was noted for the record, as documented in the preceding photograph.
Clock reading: 1:19
